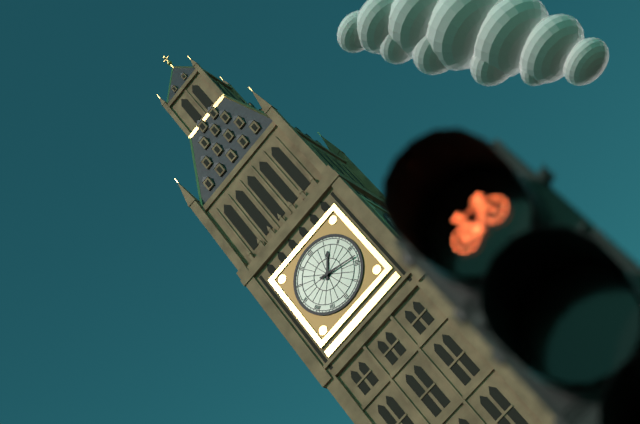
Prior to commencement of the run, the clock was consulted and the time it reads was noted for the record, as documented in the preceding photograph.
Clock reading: 1:18
